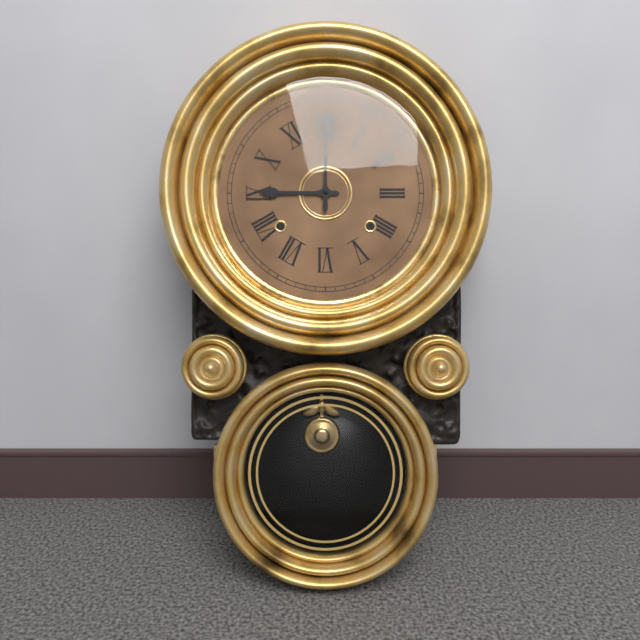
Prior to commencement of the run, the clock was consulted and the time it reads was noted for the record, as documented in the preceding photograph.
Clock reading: 9:00
